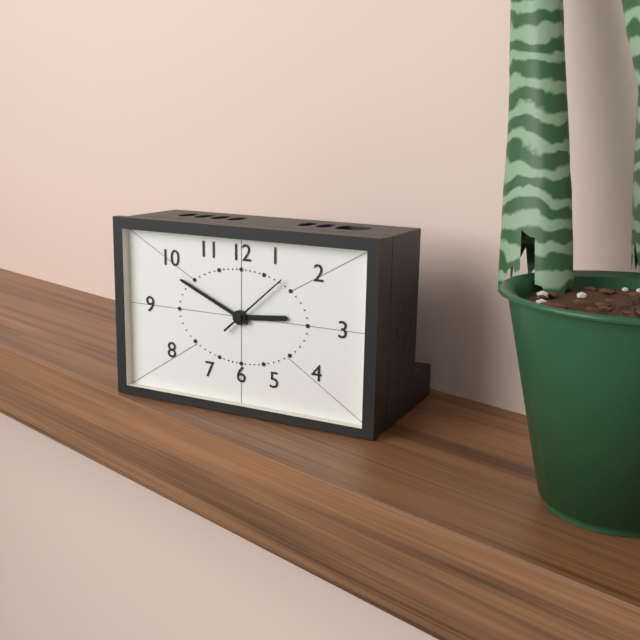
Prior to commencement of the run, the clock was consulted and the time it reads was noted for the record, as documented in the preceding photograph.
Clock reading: 2:49:08
